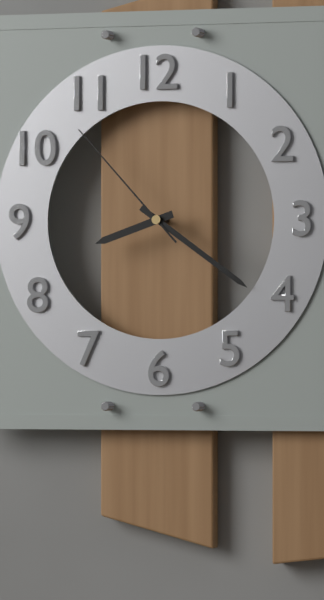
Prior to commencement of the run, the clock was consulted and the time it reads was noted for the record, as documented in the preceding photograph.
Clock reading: 8:21:53
